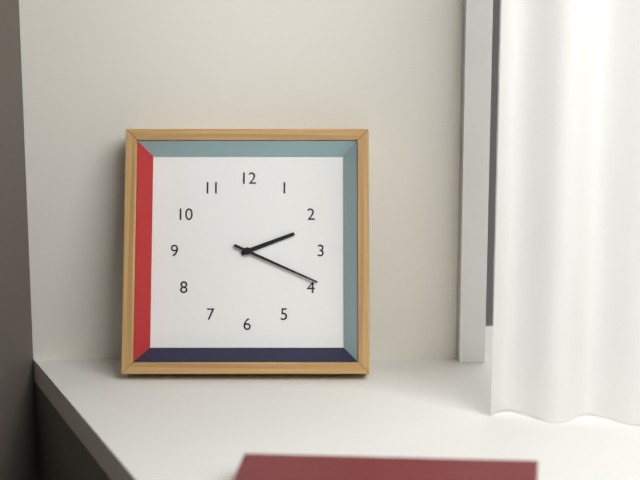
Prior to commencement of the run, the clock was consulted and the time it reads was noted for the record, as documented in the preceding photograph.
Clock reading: 2:19
